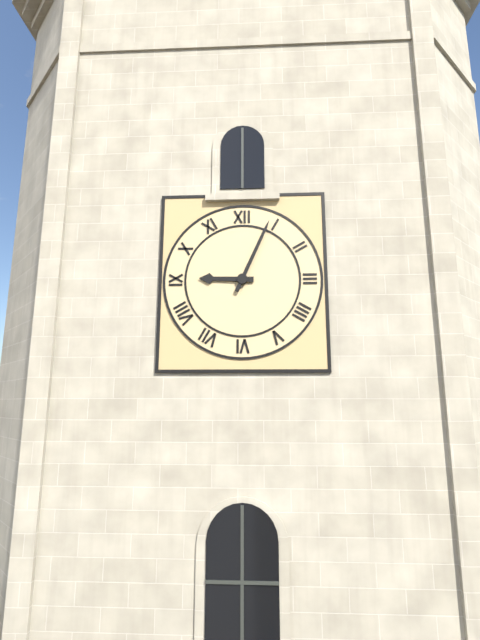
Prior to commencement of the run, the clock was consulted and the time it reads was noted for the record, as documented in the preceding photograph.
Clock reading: 9:04
